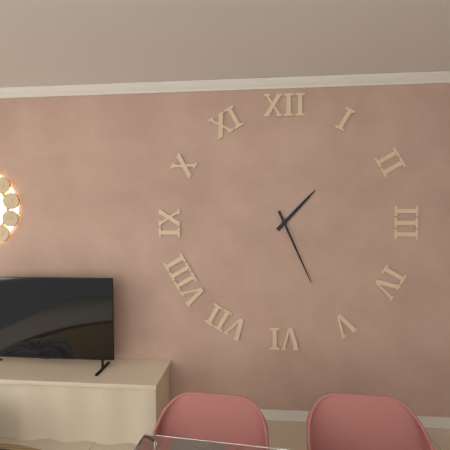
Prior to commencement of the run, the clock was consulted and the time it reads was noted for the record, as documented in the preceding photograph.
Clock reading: 1:26
